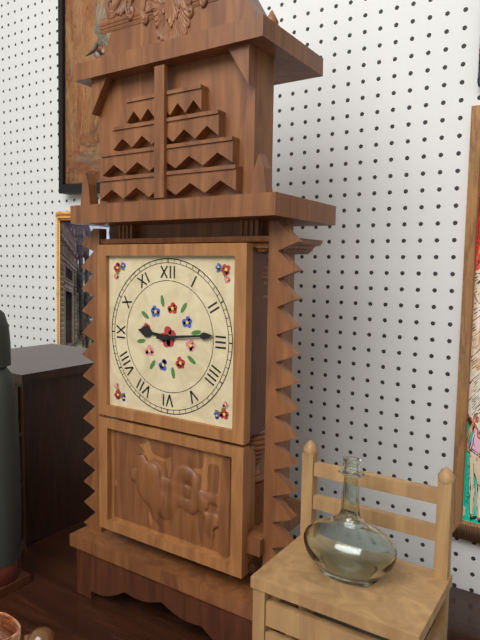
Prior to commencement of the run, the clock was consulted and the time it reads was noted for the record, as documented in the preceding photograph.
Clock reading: 9:14
